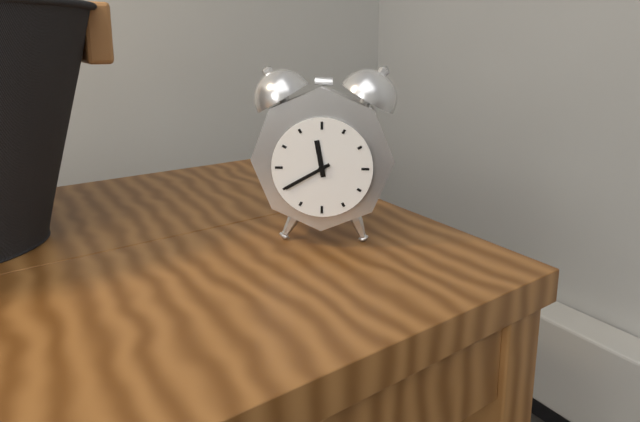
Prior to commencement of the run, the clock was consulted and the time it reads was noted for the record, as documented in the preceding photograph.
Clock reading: 11:40
